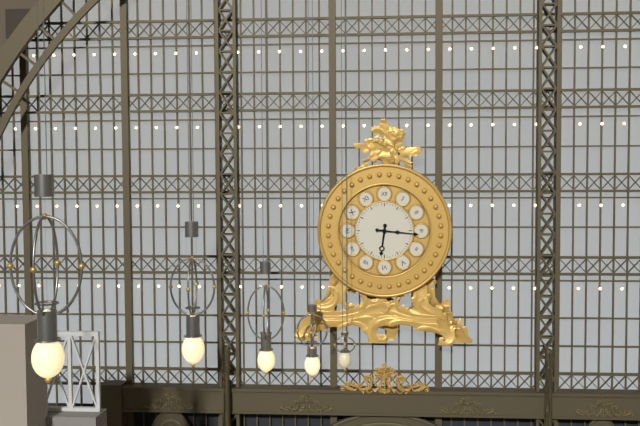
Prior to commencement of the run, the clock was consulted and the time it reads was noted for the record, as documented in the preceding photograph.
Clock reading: 6:16
